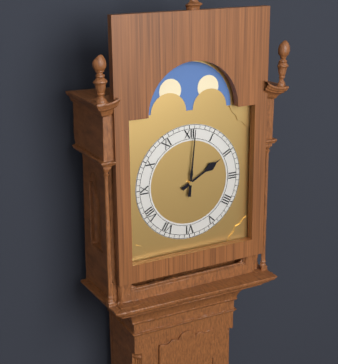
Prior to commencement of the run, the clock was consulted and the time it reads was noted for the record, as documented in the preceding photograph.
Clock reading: 2:01
